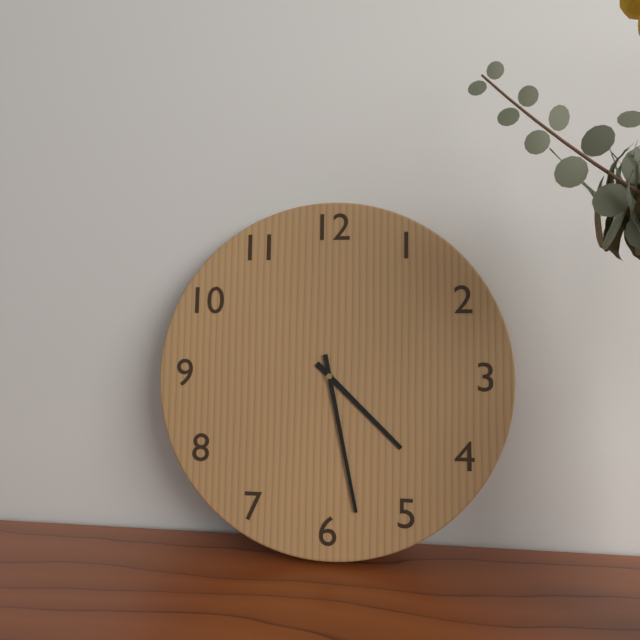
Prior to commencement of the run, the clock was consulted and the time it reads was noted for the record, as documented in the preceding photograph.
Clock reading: 4:28
